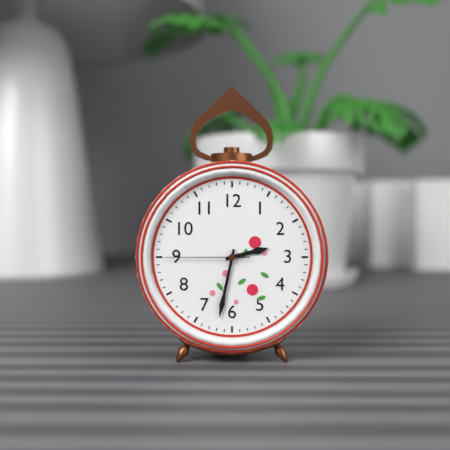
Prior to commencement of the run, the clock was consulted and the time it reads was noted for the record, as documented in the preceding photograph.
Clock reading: 2:32:45
